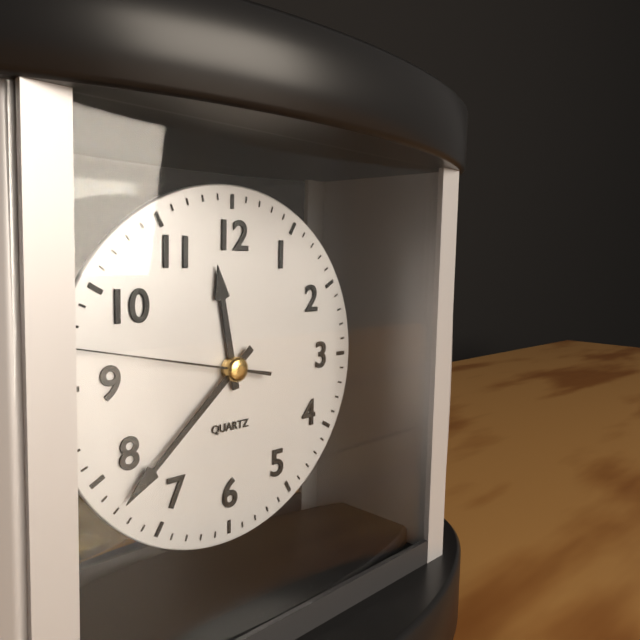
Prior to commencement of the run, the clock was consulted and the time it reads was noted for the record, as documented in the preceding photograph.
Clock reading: 11:38:47
